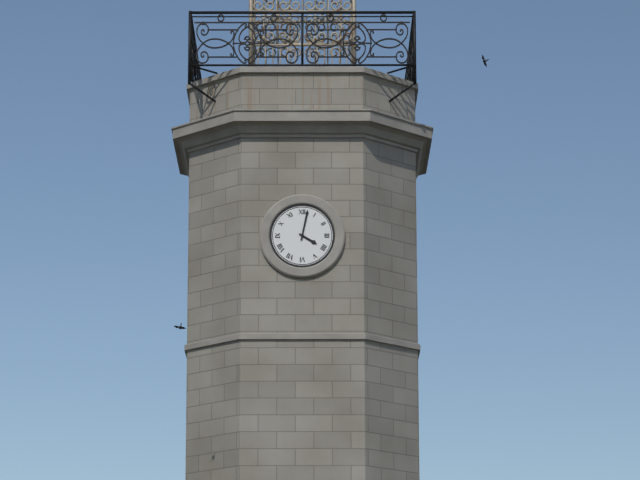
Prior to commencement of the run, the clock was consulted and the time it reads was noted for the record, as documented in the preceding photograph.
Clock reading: 4:02
